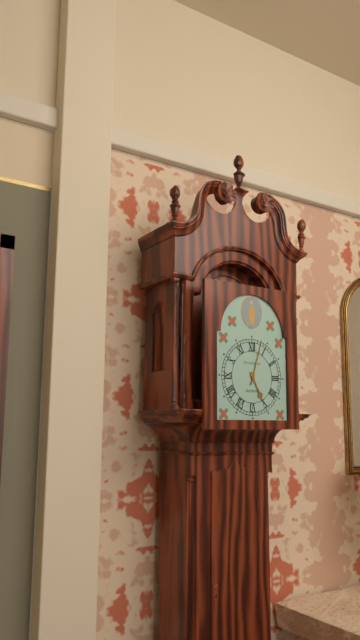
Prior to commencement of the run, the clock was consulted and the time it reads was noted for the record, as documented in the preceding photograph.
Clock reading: 5:03
